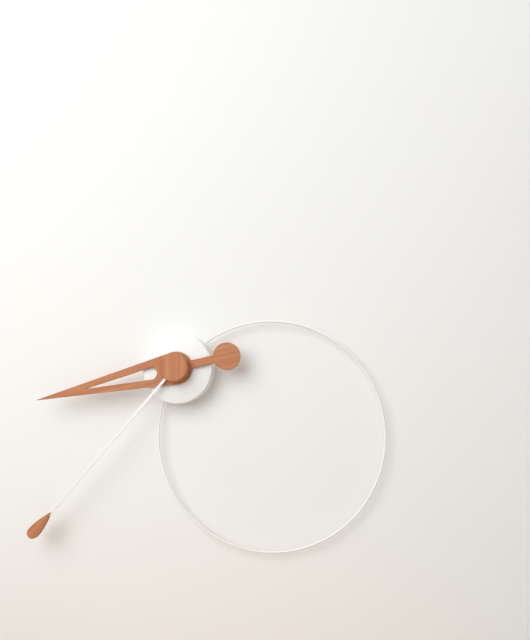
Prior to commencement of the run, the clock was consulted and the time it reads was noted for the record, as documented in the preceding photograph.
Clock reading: 8:37
